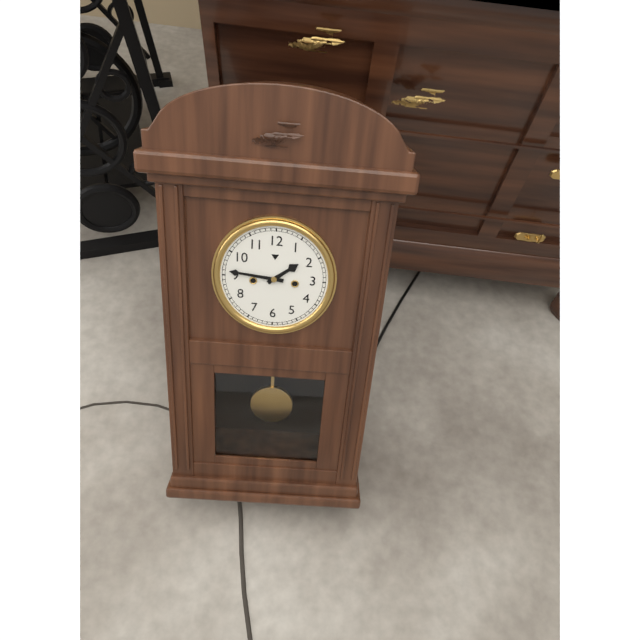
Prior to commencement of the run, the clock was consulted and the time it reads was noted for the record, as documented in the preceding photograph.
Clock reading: 1:46
